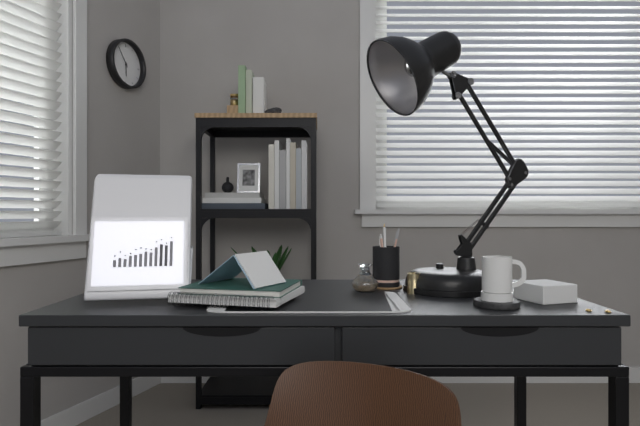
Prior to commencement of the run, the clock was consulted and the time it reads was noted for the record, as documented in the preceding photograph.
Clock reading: 5:54
